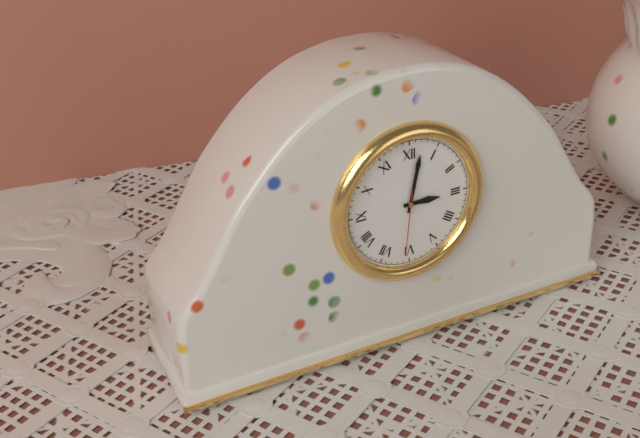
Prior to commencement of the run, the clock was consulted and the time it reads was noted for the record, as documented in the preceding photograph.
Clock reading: 3:02:31
